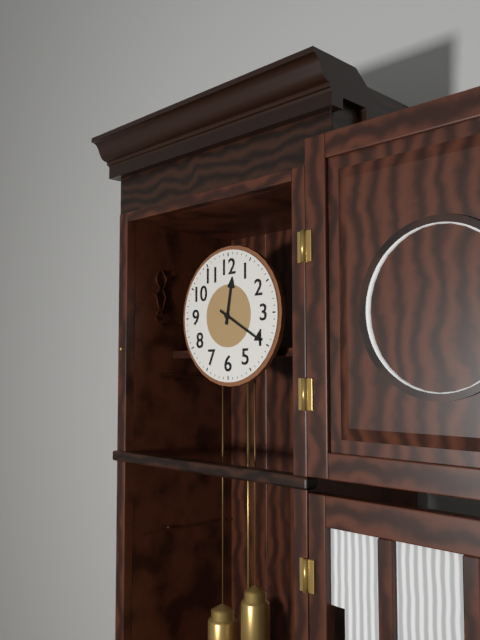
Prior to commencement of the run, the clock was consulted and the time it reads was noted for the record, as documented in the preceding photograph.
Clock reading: 12:20
